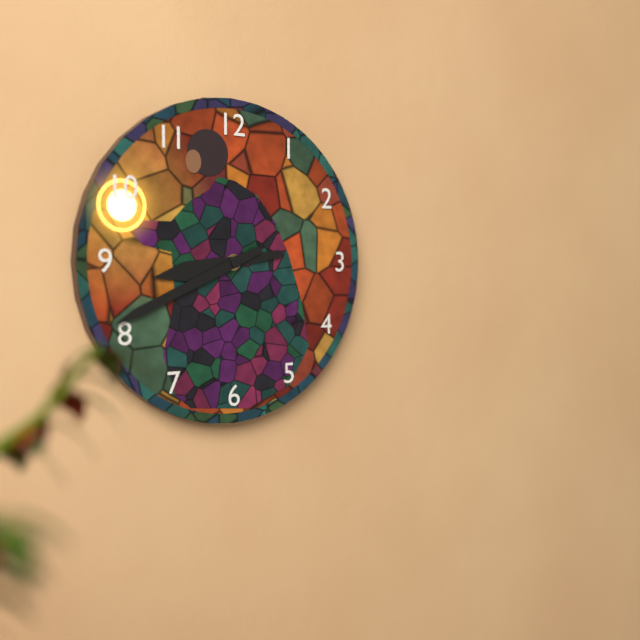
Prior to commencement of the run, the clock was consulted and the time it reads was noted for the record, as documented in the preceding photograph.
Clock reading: 8:41
